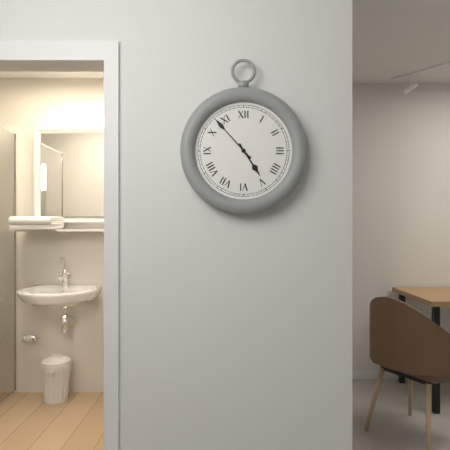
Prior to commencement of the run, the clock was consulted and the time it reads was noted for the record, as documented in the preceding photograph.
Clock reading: 4:53
